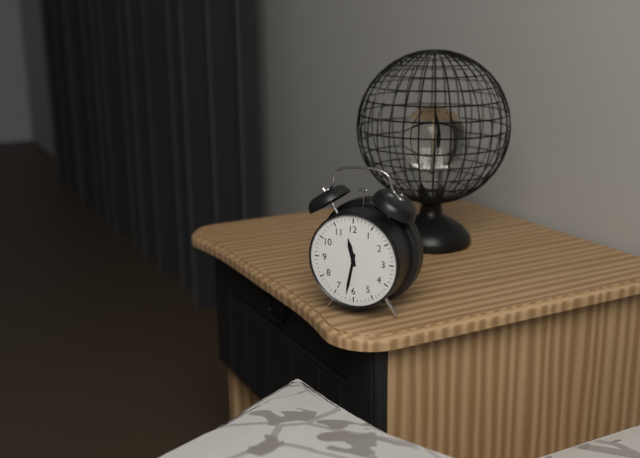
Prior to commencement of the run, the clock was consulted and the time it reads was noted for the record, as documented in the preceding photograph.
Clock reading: 11:32
